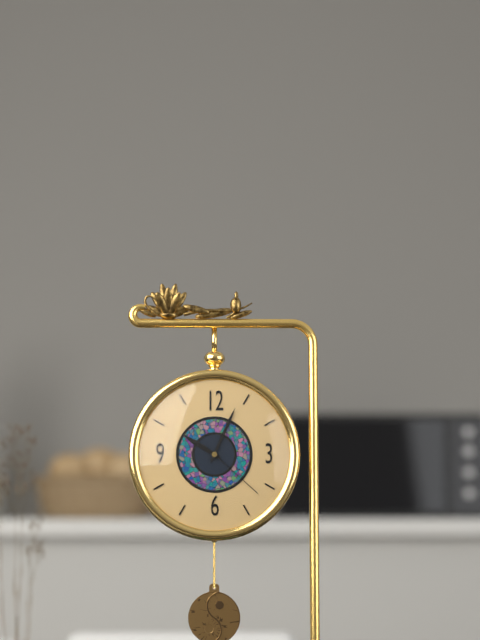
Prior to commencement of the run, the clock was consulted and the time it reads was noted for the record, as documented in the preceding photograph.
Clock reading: 10:04:22
